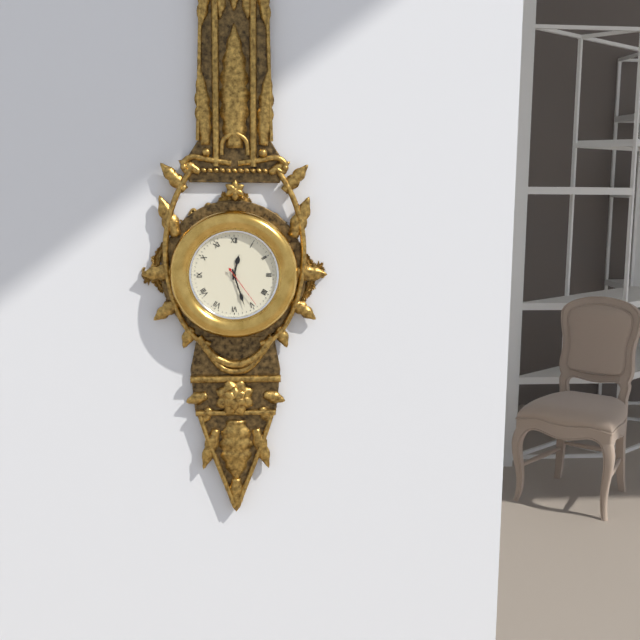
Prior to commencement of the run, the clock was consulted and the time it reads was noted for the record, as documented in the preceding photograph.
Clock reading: 12:27
